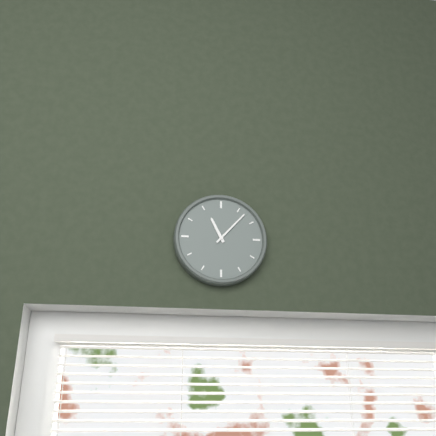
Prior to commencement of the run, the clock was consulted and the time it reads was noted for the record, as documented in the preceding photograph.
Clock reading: 11:07
